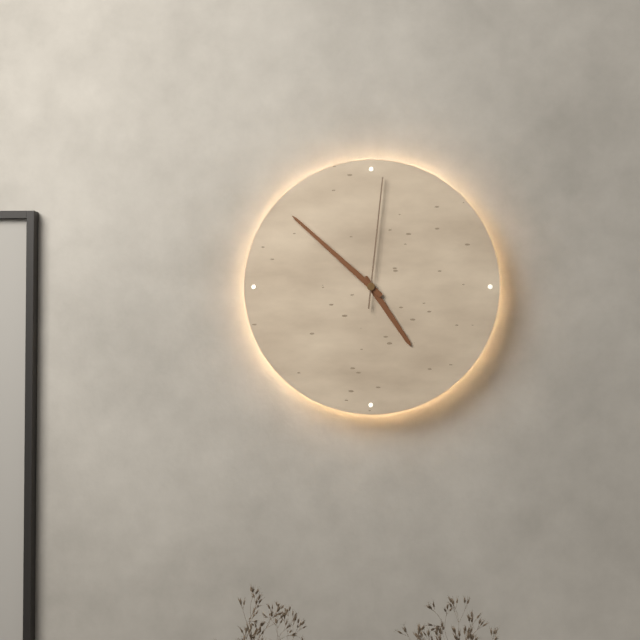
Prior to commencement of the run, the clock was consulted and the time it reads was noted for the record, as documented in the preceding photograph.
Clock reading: 4:52:01
